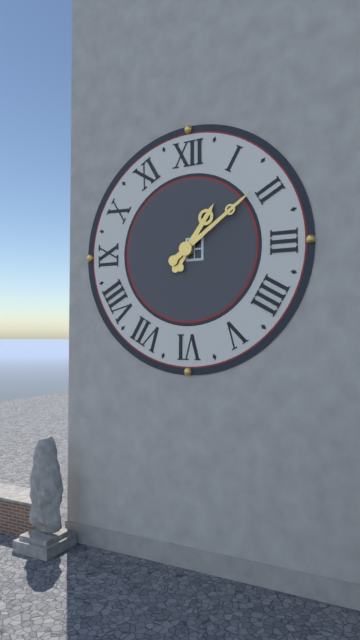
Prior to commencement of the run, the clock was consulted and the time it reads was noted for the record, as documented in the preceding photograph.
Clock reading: 1:09
